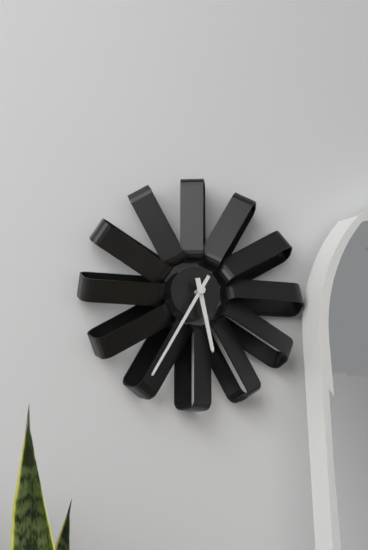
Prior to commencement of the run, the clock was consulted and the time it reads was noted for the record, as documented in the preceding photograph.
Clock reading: 5:35
